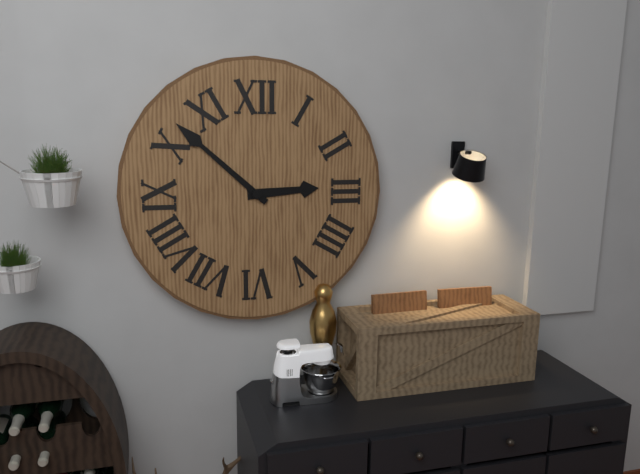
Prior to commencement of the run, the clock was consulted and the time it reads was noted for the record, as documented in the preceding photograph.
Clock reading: 2:52
